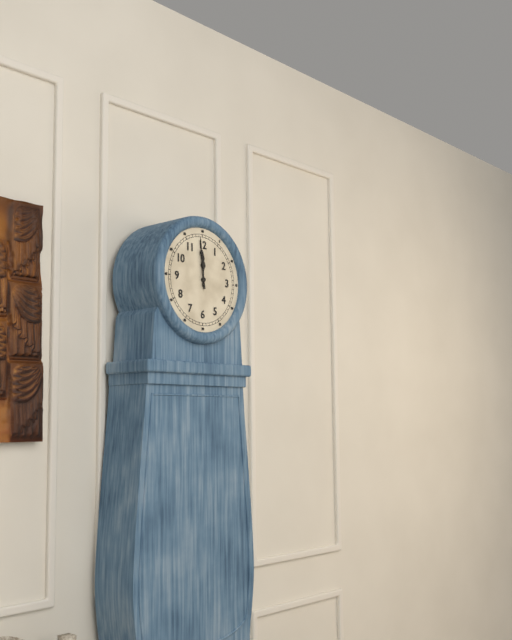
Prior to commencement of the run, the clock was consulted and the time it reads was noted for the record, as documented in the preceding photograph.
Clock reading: 11:59
